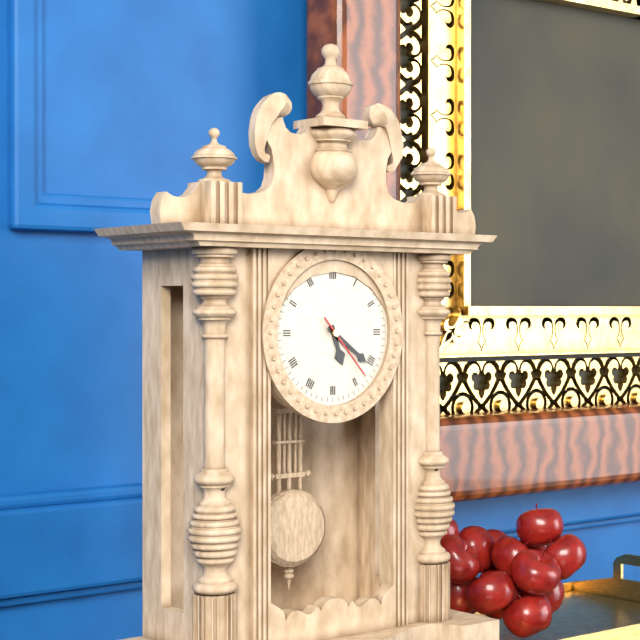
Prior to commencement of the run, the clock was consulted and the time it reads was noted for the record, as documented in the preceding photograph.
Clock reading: 5:21:23
